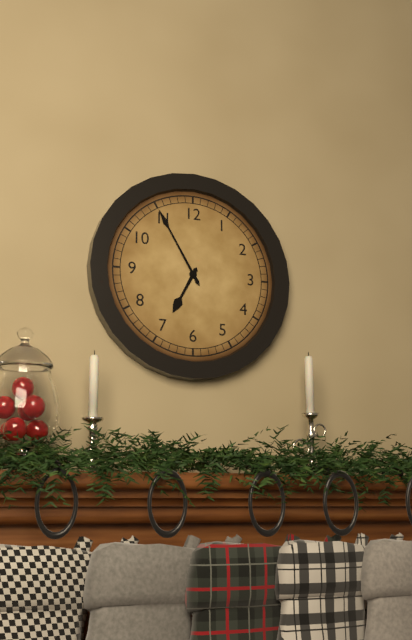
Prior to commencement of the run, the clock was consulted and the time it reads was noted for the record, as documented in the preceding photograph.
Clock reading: 6:55
